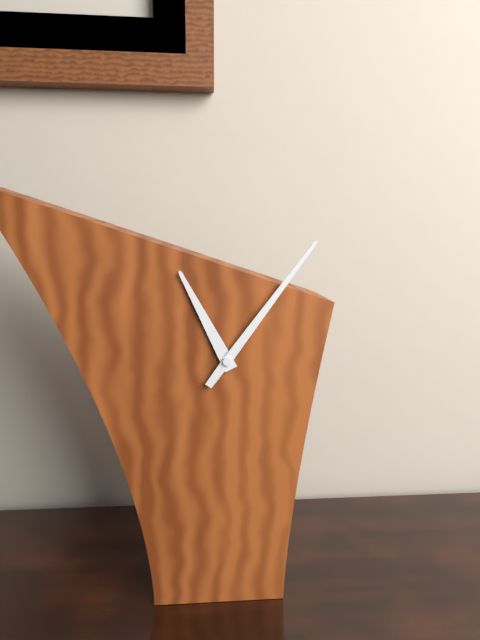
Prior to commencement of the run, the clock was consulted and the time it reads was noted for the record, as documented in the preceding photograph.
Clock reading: 11:06
